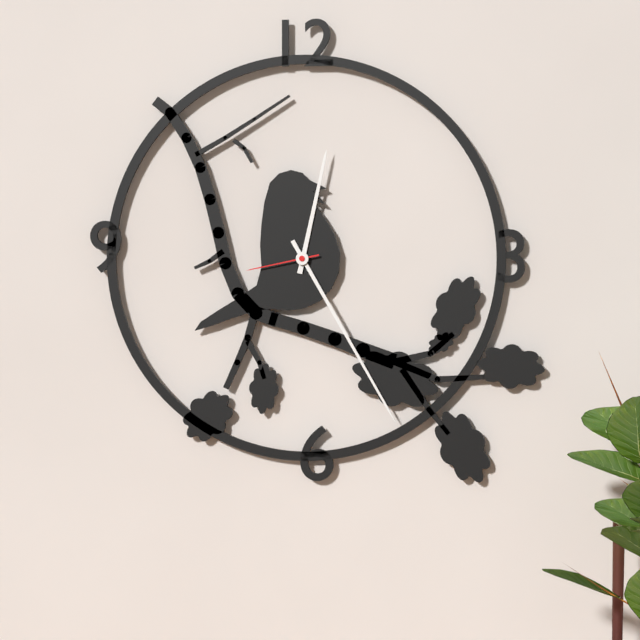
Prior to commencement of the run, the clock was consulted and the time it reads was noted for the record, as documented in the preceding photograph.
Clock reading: 12:25:43
